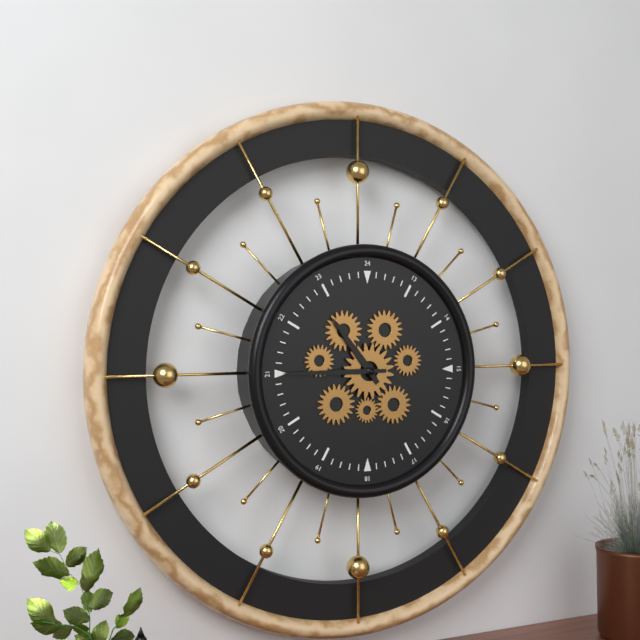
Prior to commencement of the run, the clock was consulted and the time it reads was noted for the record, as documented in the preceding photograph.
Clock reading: 10:45
